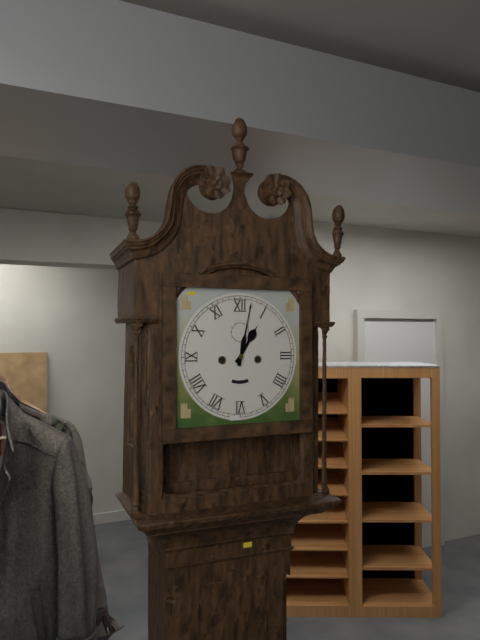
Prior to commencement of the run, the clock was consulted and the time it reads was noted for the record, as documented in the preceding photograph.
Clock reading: 1:02
